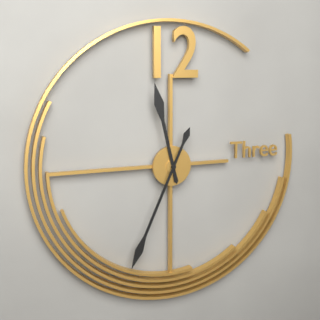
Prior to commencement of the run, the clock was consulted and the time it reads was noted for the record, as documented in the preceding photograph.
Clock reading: 11:34
